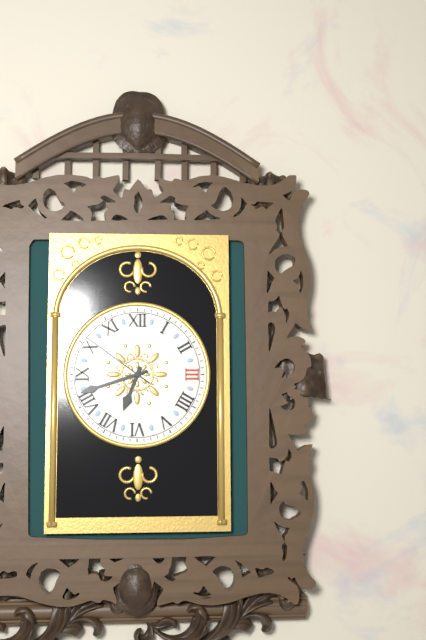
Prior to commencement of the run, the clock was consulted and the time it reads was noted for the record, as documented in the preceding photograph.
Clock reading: 6:42:51
